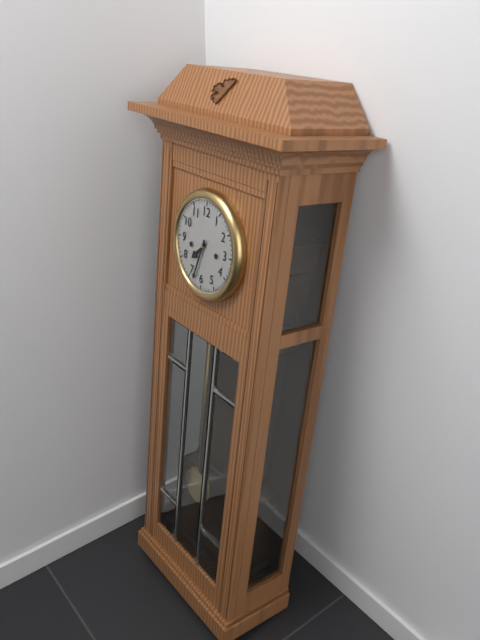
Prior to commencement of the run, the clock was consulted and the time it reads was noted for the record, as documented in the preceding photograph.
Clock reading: 7:33
